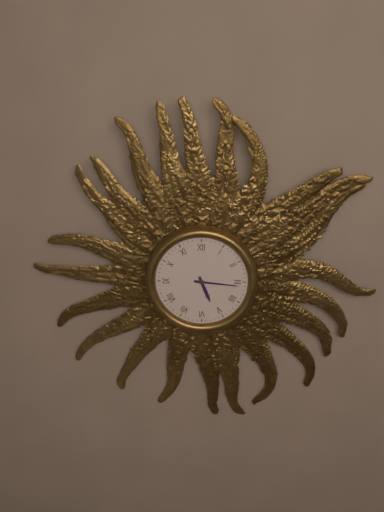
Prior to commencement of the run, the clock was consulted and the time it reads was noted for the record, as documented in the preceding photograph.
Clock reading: 5:16
